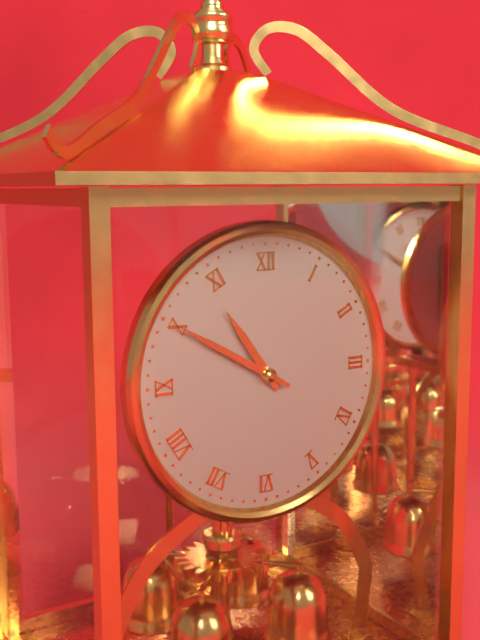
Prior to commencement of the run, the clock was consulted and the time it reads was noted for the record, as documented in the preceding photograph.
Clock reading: 10:50
